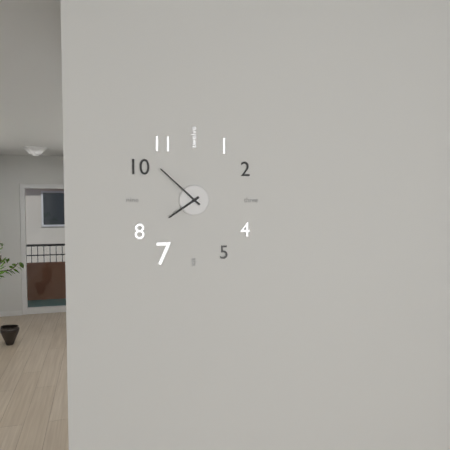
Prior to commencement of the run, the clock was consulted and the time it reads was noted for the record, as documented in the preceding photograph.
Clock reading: 7:52
